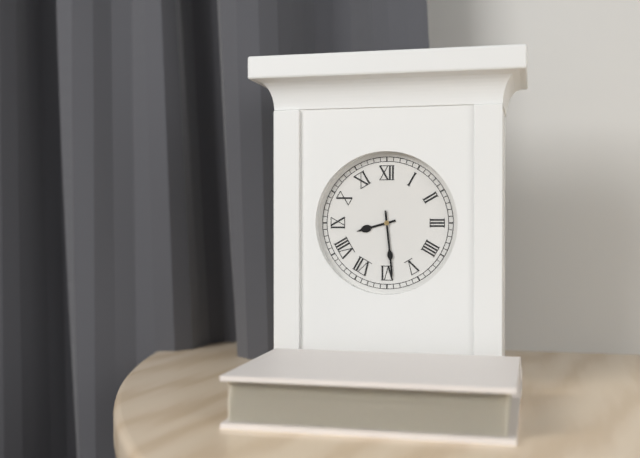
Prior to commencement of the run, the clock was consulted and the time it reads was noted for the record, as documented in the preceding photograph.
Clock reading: 8:29
